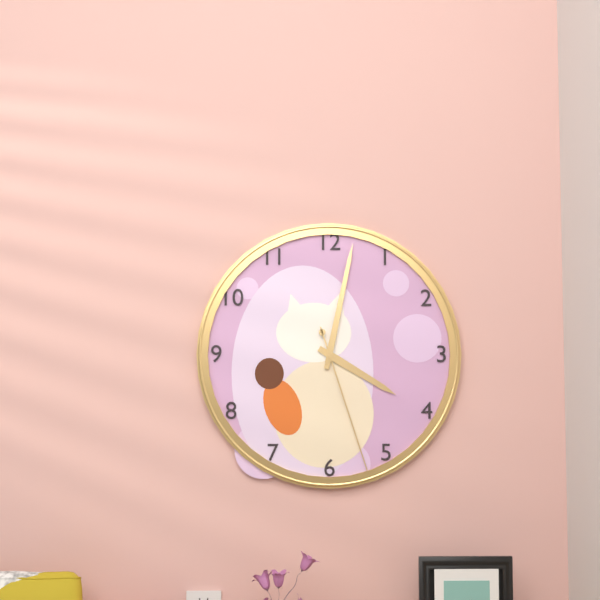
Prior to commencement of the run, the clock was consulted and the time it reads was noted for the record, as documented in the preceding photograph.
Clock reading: 4:02:27
